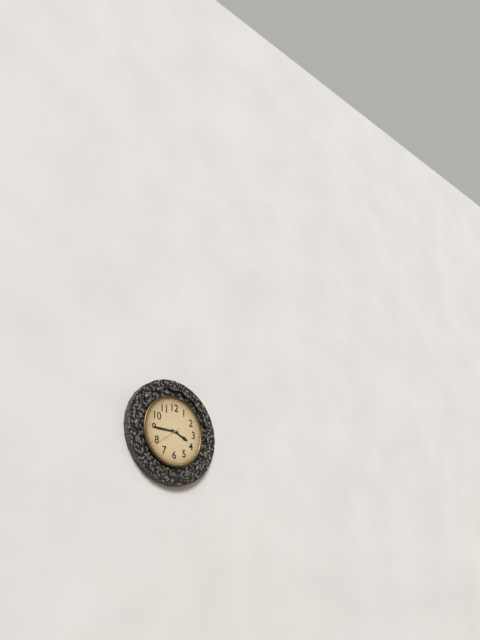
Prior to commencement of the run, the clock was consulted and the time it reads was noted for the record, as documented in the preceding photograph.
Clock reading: 3:45
